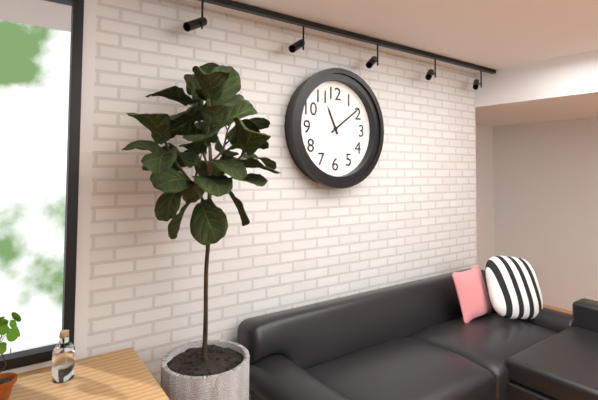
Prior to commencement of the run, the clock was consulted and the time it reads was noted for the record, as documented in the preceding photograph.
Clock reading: 11:09
